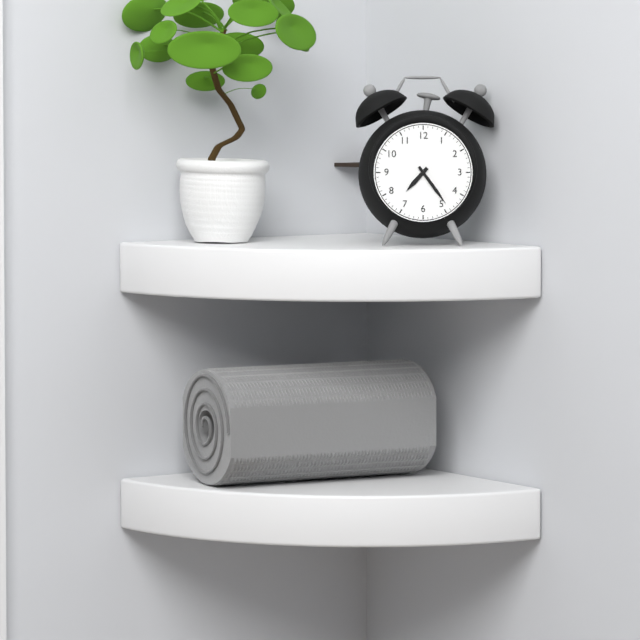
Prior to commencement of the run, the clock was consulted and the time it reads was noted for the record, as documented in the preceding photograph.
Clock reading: 7:24
